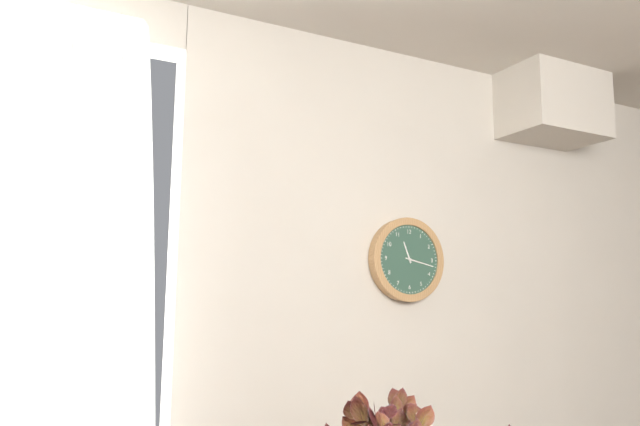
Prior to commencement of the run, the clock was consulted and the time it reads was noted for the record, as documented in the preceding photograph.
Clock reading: 11:17
